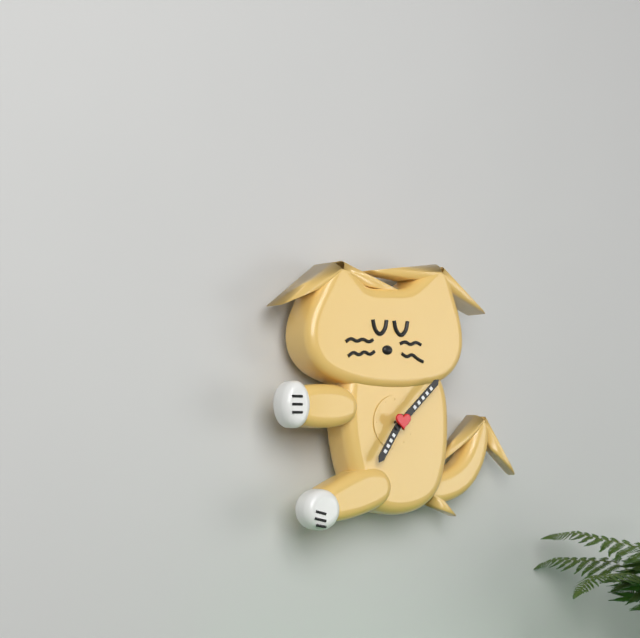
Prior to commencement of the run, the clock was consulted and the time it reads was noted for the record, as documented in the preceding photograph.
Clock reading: 7:08
